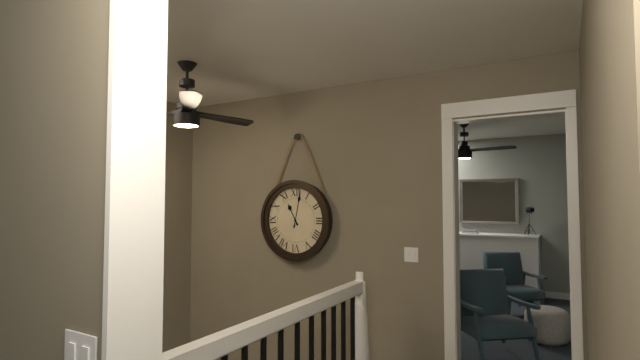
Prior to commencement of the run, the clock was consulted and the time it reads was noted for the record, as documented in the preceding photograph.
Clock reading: 11:02
